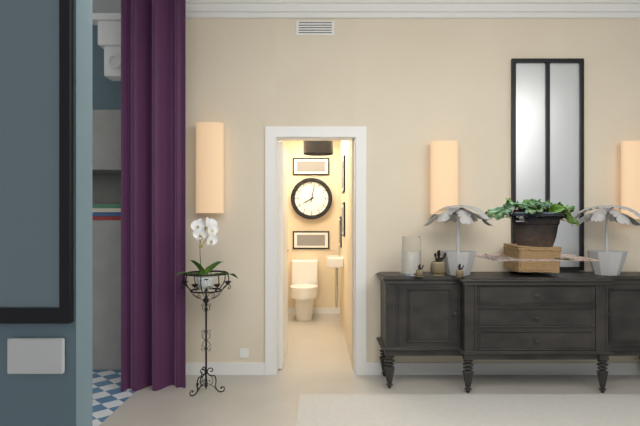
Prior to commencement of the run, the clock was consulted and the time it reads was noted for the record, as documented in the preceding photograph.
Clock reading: 8:02
